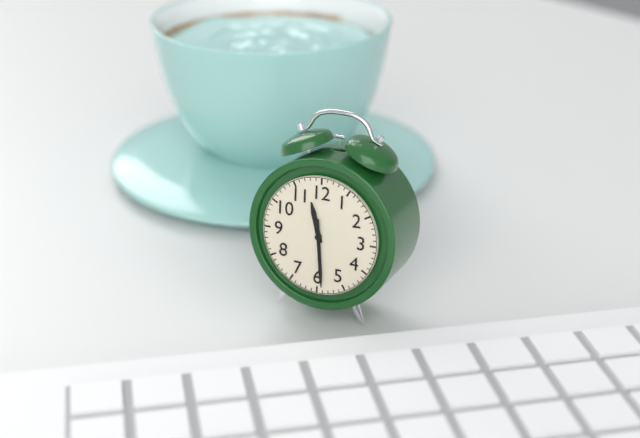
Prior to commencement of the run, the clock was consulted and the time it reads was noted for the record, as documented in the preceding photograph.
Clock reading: 11:29
